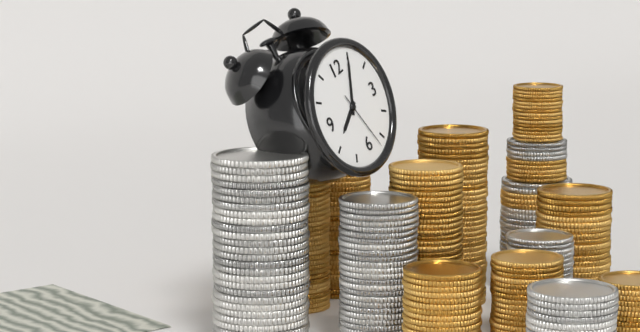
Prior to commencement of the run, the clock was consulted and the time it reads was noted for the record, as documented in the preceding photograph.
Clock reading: 8:05:27
